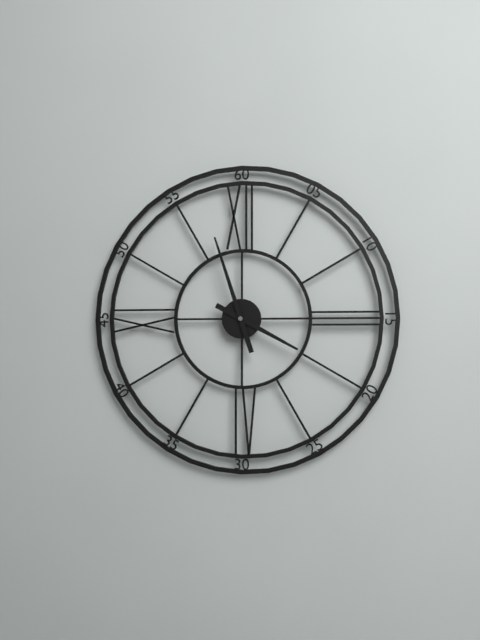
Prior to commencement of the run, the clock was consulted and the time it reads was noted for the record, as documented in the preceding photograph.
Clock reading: 3:57
